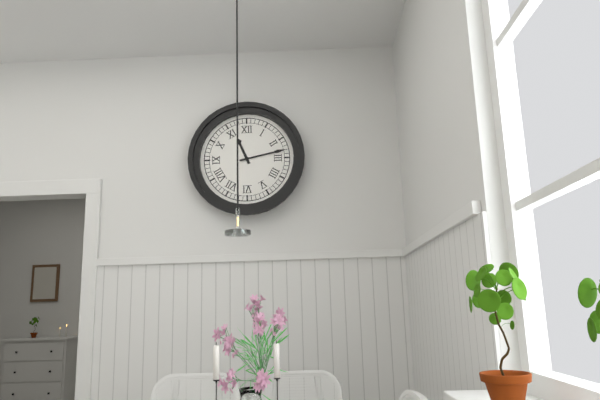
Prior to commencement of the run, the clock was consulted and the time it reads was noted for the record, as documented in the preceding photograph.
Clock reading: 11:13
